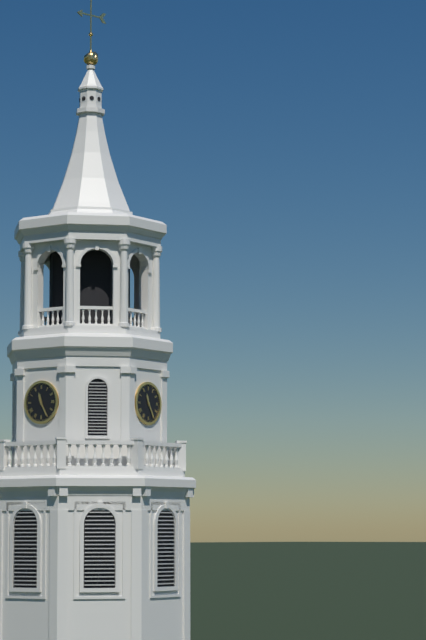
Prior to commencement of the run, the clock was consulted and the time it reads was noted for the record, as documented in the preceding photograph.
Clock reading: 11:25
